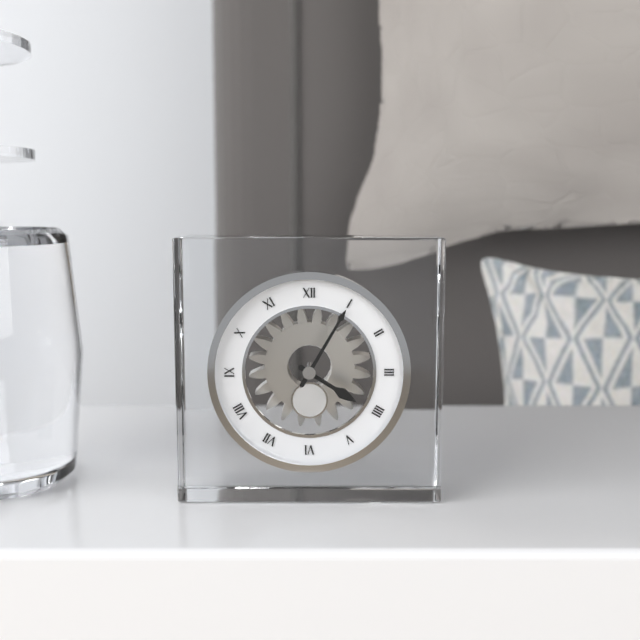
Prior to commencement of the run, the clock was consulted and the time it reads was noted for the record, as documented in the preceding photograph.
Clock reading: 4:05
